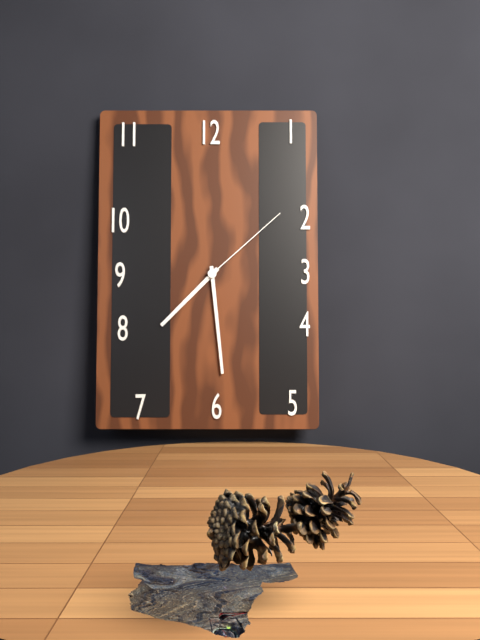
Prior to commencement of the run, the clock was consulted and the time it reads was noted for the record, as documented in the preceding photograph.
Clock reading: 7:29:08
